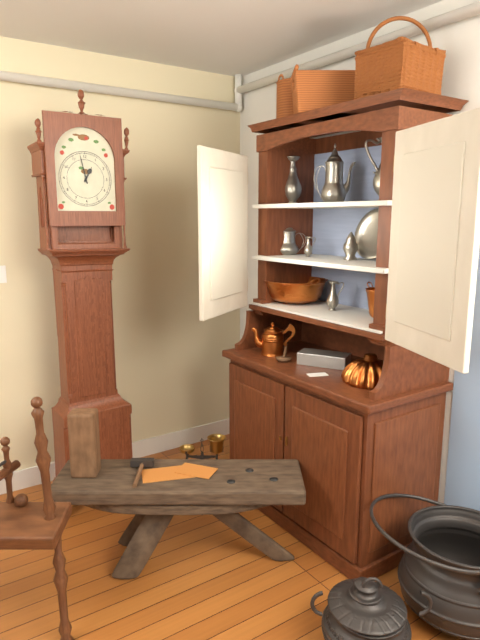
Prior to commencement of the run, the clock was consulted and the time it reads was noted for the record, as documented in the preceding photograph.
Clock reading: 12:58
